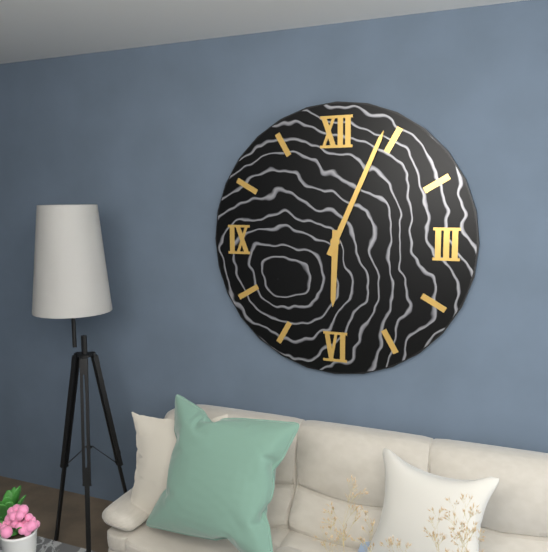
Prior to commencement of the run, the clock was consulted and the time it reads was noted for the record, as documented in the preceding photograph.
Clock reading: 6:04
